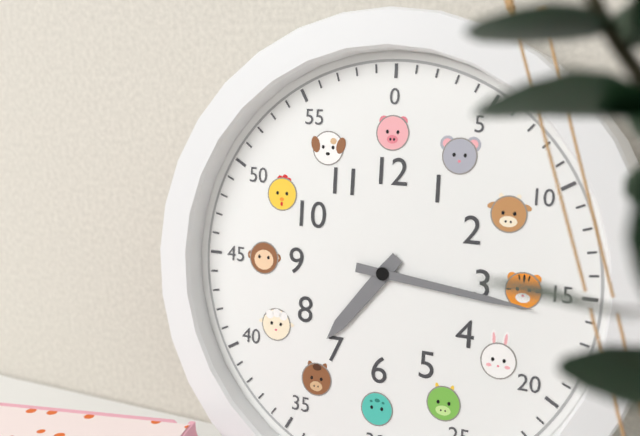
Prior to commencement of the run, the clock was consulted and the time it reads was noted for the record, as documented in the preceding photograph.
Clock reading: 7:16
